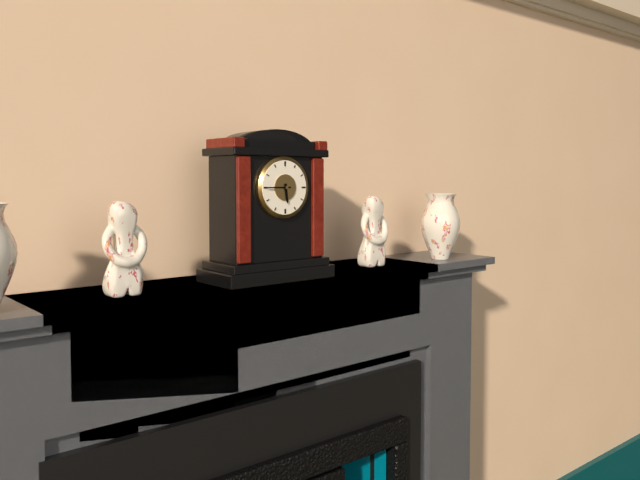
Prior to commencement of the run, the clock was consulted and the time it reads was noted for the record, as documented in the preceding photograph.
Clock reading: 5:45
